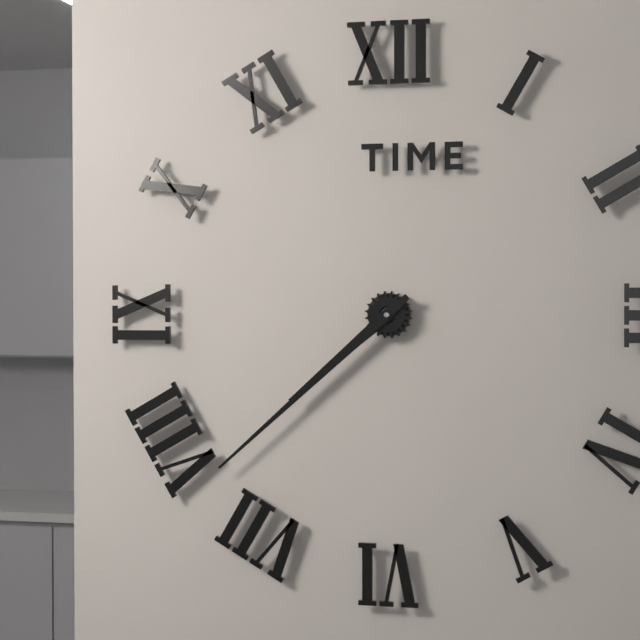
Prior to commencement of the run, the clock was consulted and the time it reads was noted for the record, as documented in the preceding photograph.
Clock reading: 7:38
